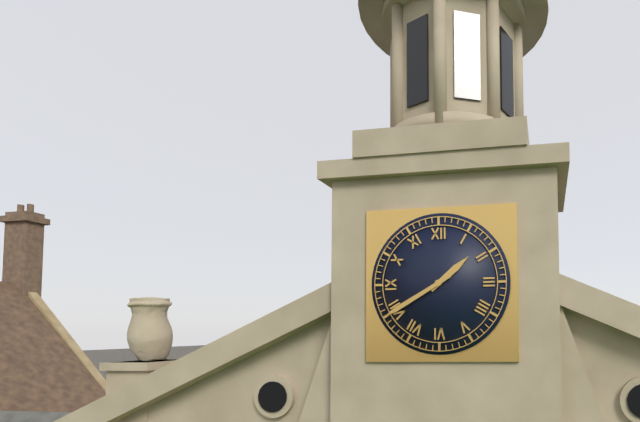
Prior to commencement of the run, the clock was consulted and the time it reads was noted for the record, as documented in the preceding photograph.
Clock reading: 1:40
